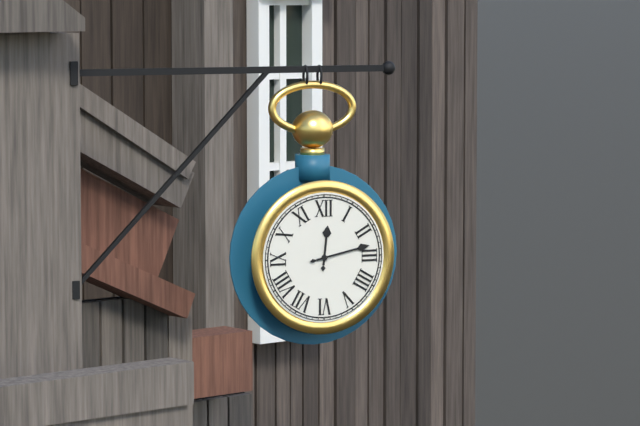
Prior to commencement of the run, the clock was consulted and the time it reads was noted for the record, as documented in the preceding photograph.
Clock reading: 12:13
